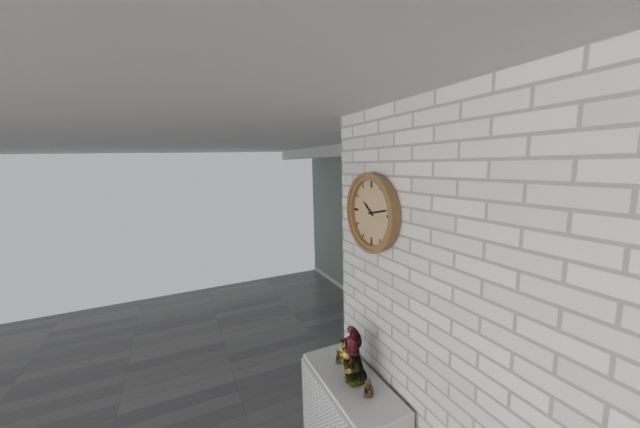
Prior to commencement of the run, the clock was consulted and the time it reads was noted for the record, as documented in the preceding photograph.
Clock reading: 10:13
